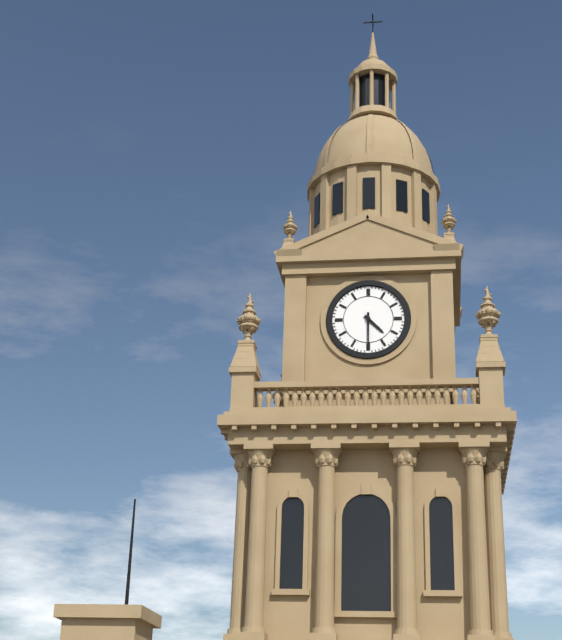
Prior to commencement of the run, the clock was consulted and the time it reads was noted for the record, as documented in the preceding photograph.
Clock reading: 4:30
